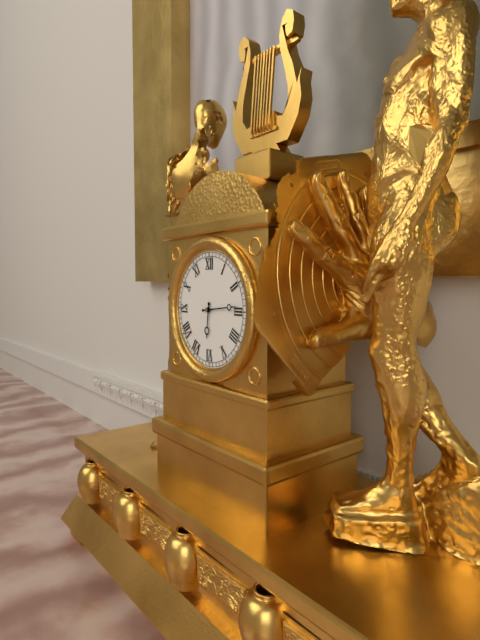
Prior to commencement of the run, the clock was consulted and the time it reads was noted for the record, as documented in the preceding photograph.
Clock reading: 6:14
